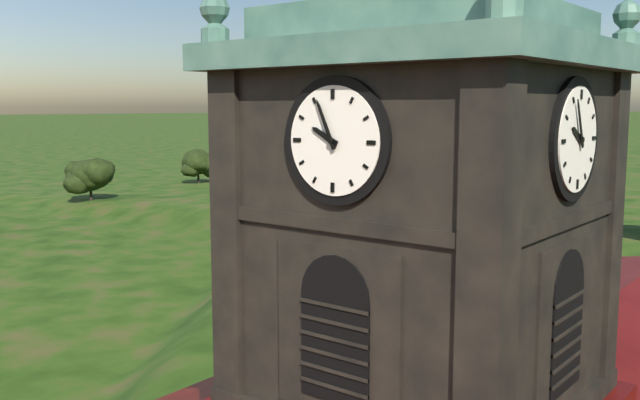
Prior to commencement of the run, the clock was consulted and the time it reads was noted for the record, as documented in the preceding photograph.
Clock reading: 9:56
